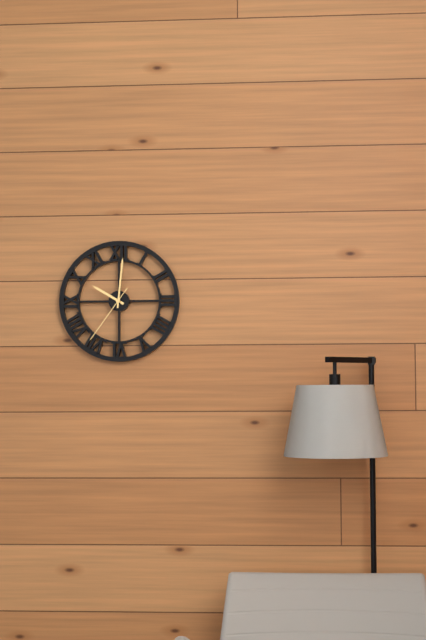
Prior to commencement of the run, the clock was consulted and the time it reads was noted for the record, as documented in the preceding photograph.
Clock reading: 10:01:36
